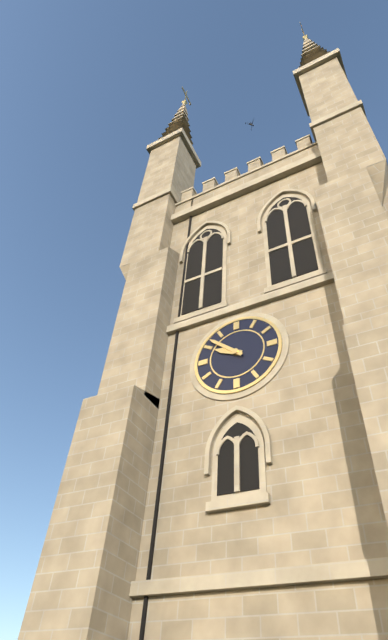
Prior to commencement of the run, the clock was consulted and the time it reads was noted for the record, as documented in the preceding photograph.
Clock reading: 9:52
